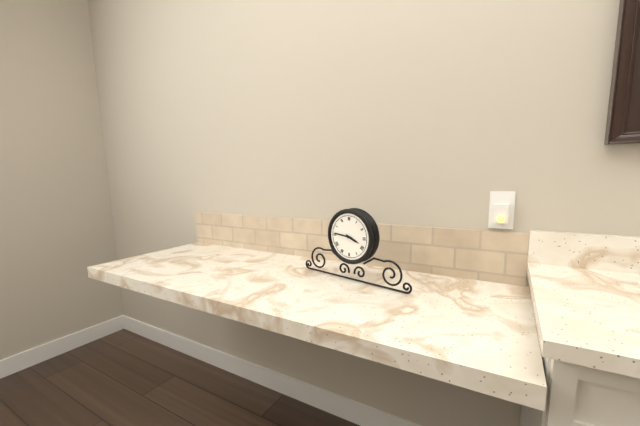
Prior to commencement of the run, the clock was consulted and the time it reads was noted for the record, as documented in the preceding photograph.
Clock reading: 3:46
